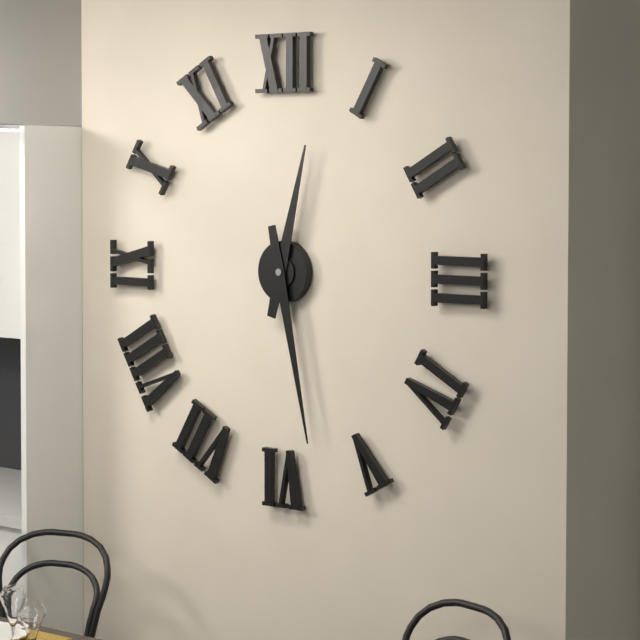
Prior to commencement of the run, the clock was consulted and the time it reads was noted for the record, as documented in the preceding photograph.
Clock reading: 12:28
